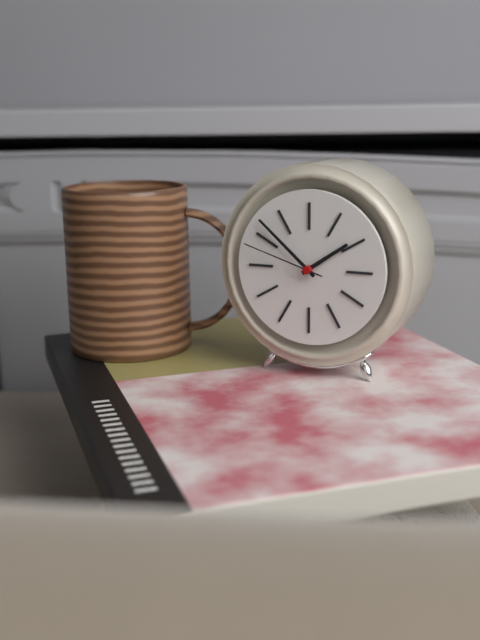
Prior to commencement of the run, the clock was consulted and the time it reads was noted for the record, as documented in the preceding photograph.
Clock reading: 1:52:48
